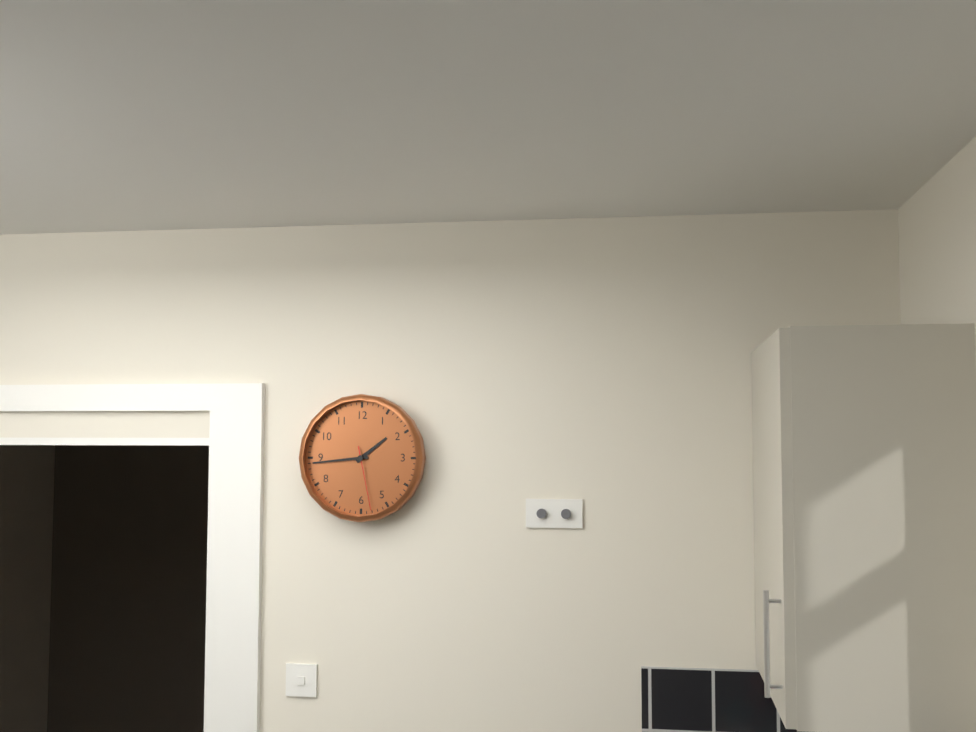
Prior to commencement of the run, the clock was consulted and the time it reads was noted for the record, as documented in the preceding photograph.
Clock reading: 1:44:28
